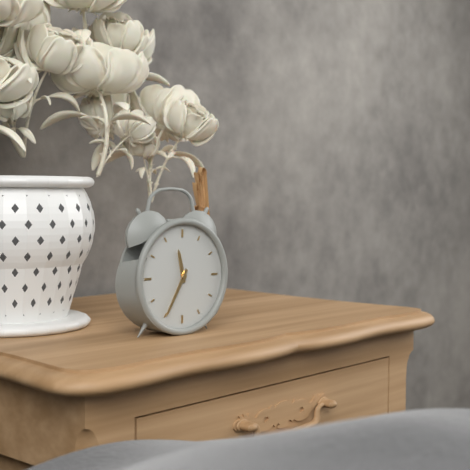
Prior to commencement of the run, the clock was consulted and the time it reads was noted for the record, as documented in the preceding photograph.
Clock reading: 11:35
